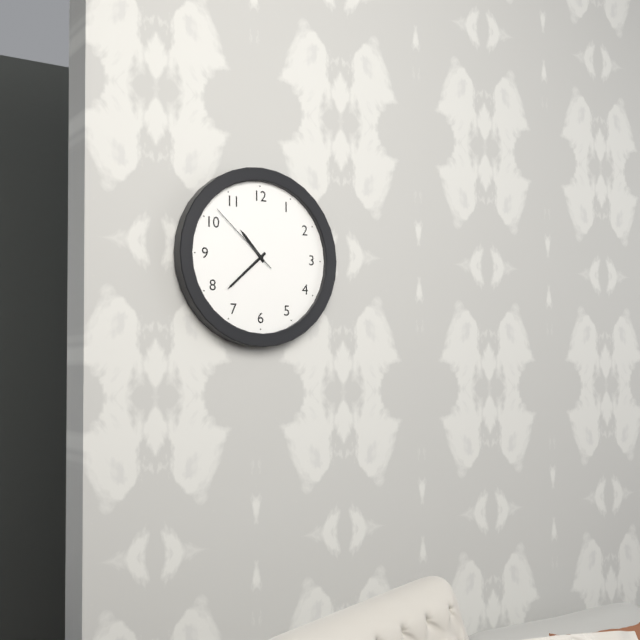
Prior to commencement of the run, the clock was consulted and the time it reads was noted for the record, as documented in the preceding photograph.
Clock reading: 10:38:52
